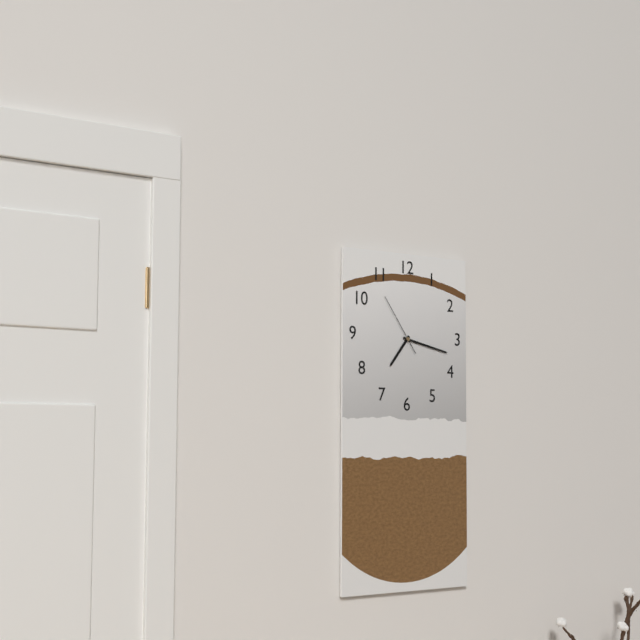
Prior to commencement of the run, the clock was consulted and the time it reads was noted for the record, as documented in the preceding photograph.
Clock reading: 7:17:54
